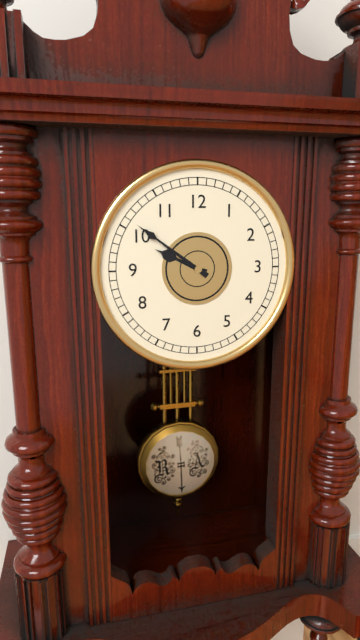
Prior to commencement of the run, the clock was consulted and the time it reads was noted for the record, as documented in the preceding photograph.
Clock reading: 9:51
